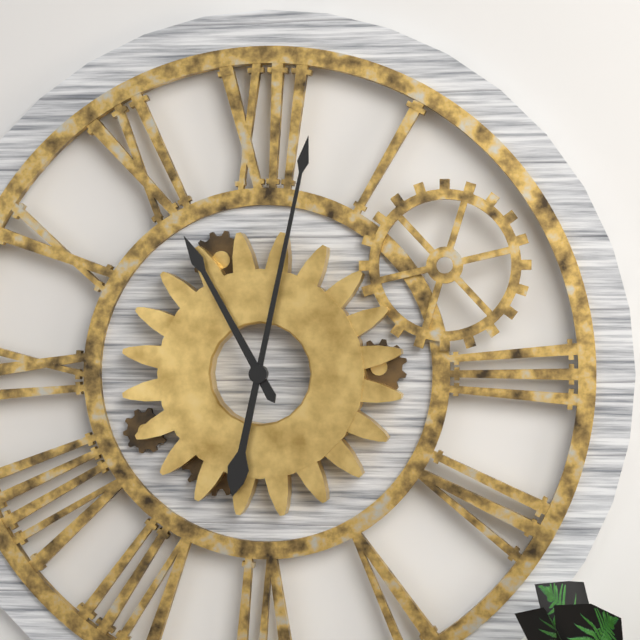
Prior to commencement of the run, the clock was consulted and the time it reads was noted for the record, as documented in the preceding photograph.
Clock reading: 11:02
